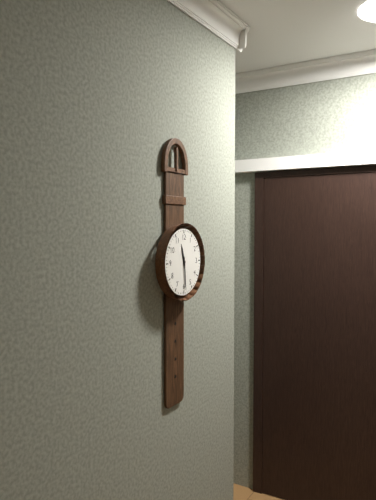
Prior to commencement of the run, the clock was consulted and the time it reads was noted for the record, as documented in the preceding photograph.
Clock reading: 11:29
